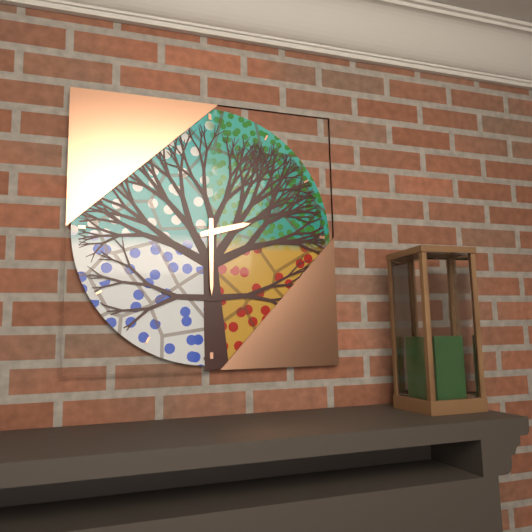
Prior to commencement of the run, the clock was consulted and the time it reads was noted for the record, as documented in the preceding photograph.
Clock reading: 2:30
